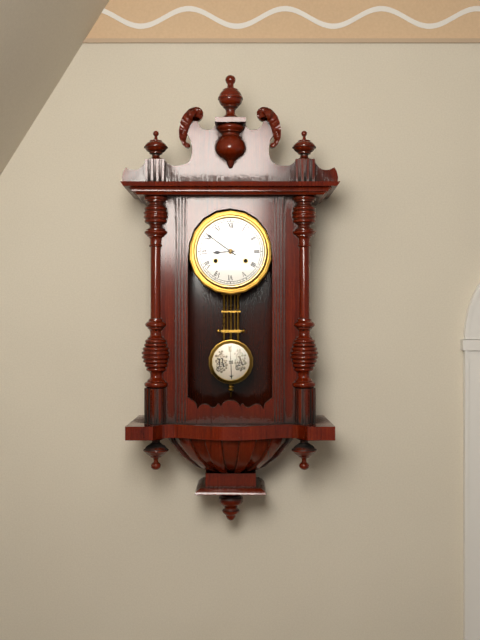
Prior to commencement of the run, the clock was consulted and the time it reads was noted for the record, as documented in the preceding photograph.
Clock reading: 8:51
